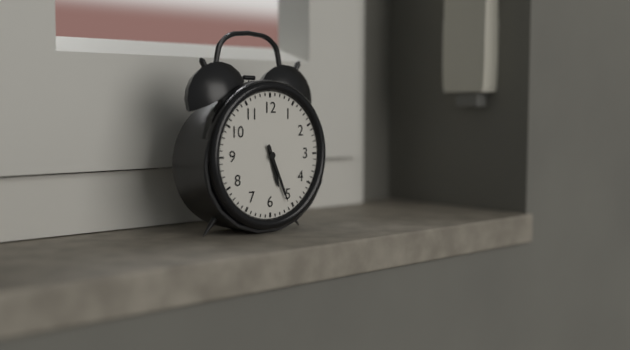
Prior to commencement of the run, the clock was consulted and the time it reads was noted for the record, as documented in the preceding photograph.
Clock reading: 5:26
